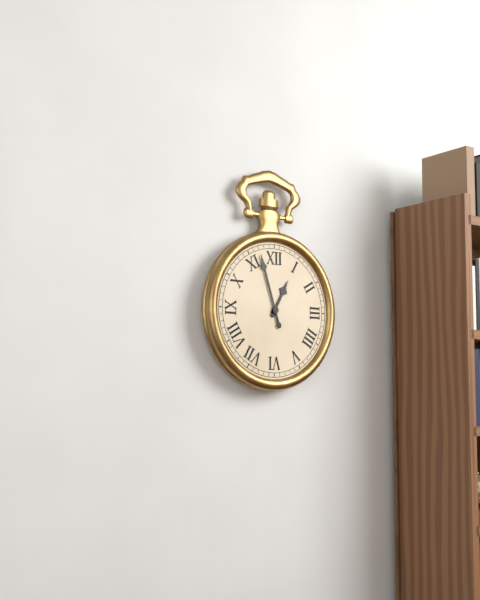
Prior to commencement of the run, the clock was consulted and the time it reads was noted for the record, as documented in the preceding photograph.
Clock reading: 12:57
